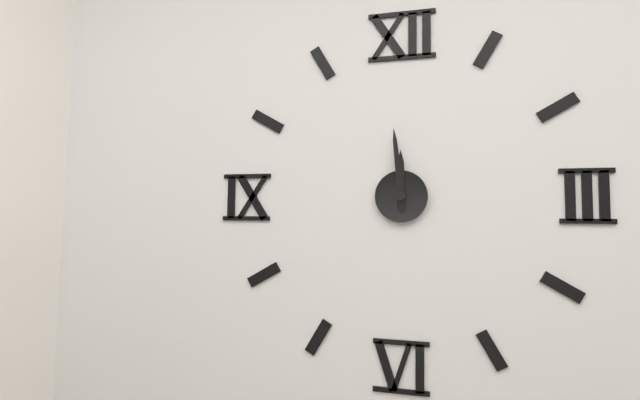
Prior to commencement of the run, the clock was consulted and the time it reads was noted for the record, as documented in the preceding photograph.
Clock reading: 11:59
